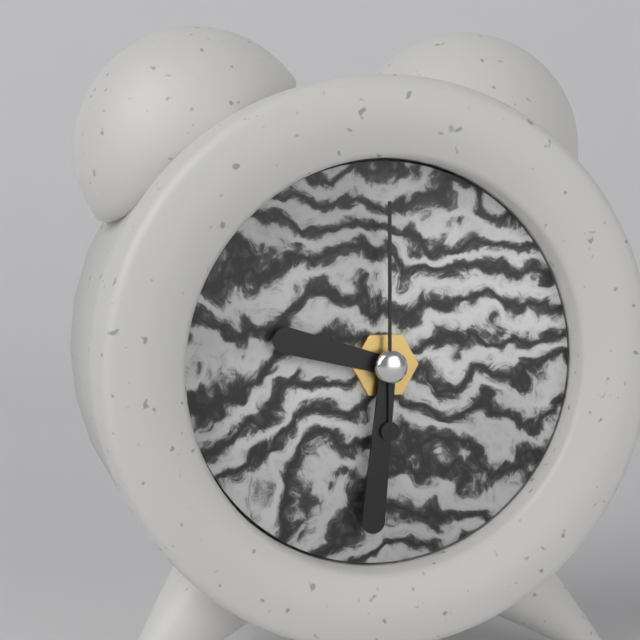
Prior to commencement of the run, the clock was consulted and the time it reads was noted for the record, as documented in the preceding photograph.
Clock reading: 9:31:00
